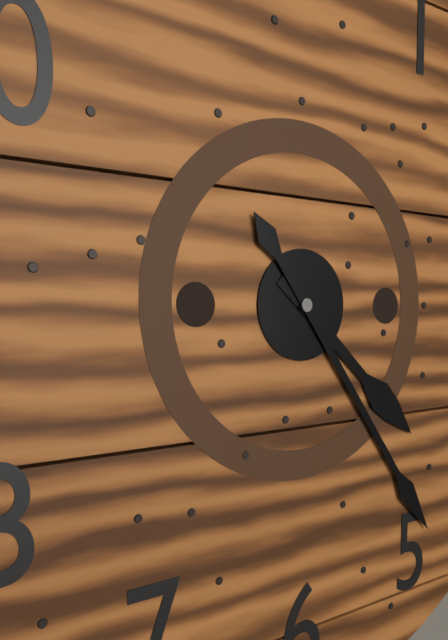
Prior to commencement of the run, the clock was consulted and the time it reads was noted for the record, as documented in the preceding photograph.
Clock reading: 4:24
